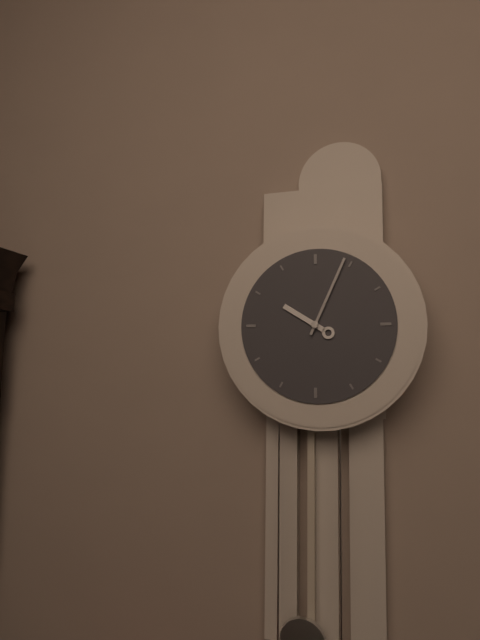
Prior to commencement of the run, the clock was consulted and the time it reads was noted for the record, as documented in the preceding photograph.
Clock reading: 10:04
